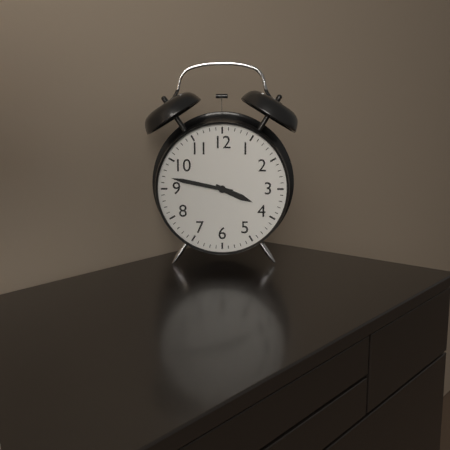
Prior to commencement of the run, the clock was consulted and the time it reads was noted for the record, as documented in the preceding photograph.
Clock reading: 3:47
